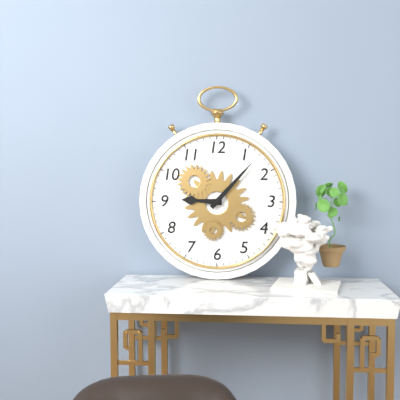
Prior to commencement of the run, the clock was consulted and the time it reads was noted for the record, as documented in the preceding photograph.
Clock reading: 9:07
